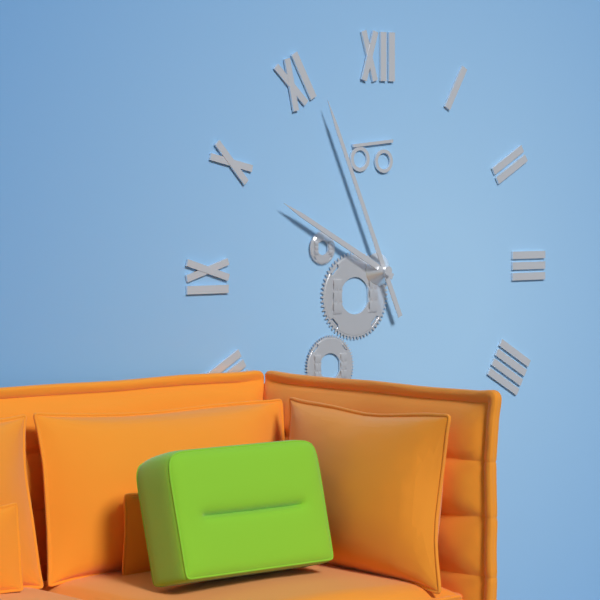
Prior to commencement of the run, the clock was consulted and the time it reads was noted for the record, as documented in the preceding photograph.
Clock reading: 9:56
